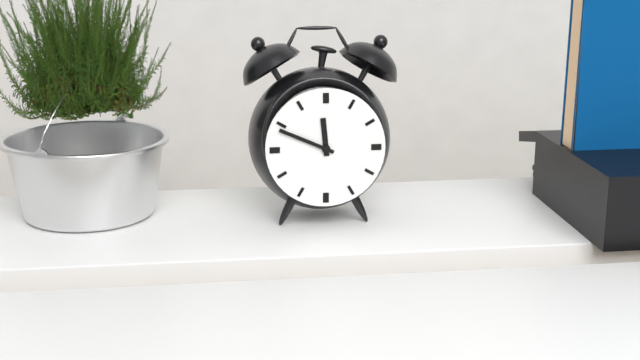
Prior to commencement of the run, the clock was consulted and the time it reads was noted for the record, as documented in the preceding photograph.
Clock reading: 11:49
